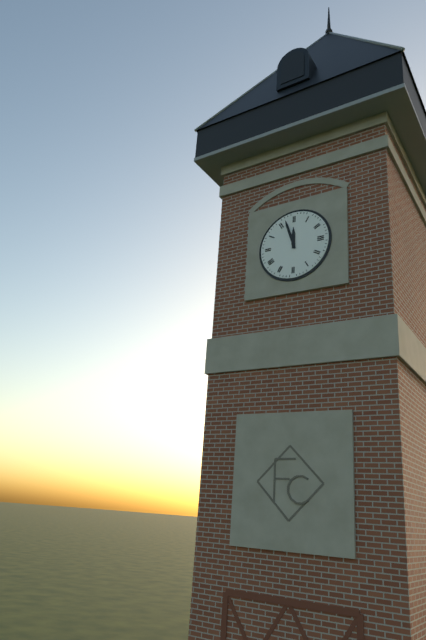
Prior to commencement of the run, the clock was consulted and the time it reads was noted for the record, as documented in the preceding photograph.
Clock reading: 11:57
